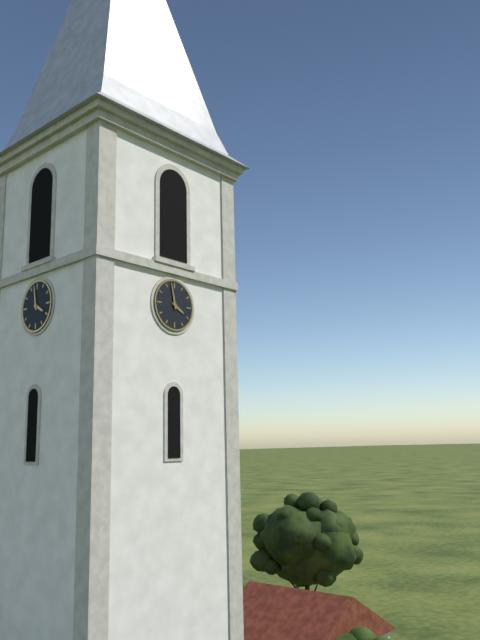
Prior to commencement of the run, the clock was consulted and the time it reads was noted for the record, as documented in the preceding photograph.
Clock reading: 3:58
